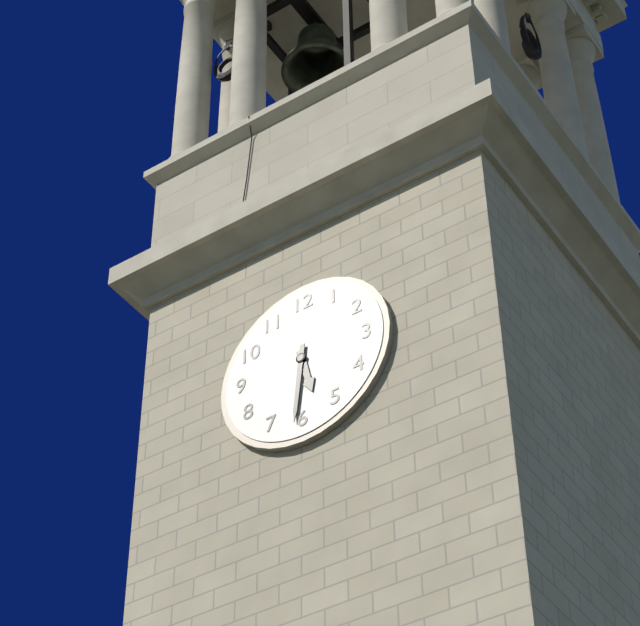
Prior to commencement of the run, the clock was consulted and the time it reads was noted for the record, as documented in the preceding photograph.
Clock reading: 5:31
